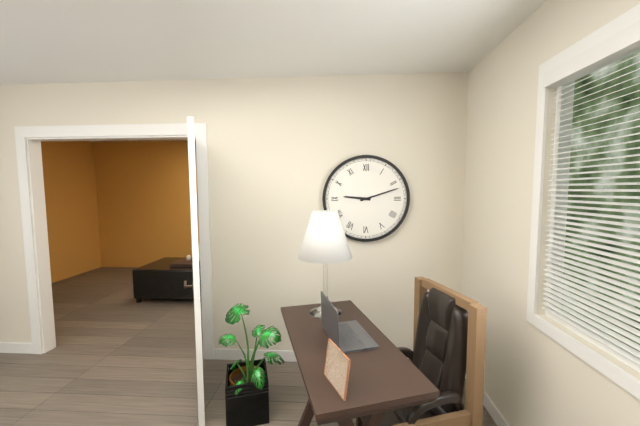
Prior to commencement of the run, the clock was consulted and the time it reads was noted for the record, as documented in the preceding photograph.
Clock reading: 9:12
